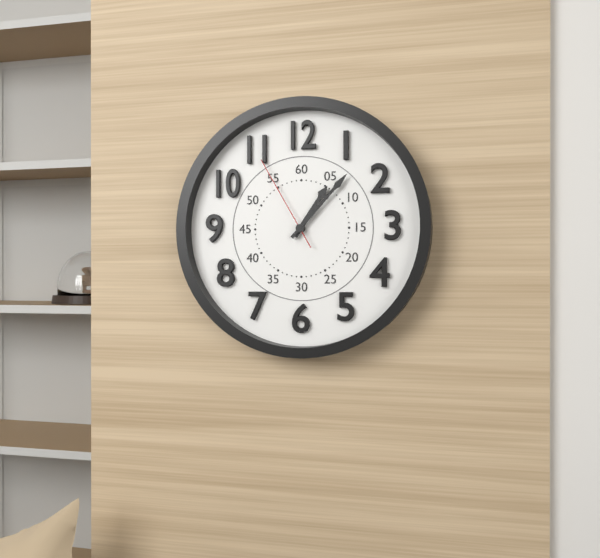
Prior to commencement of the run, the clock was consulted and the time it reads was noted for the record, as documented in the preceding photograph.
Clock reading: 1:07:55
